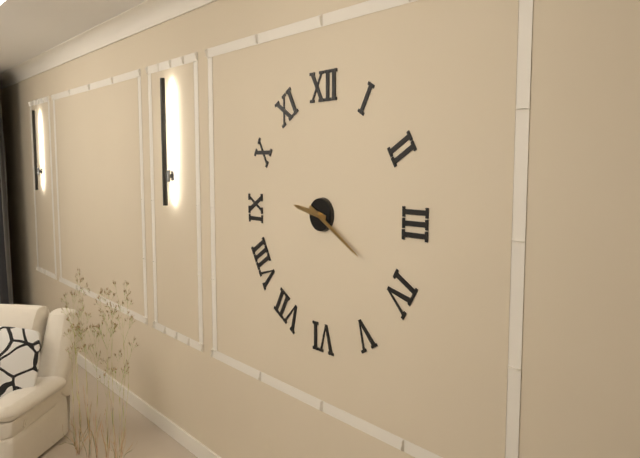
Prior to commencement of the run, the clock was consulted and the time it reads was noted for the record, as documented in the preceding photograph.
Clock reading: 9:20
